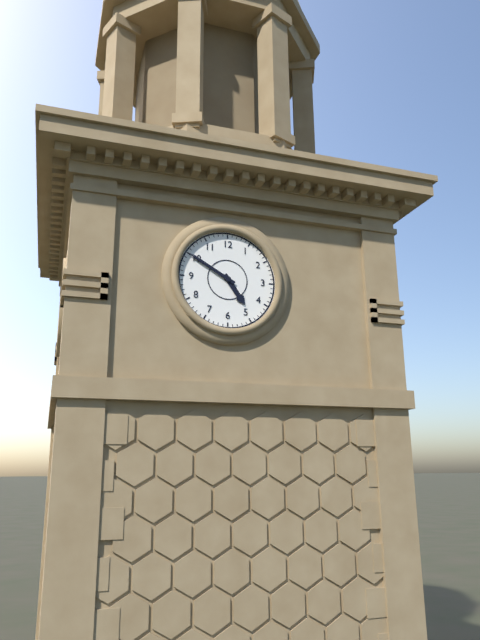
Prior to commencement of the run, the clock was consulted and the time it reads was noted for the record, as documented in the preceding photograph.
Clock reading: 4:50
